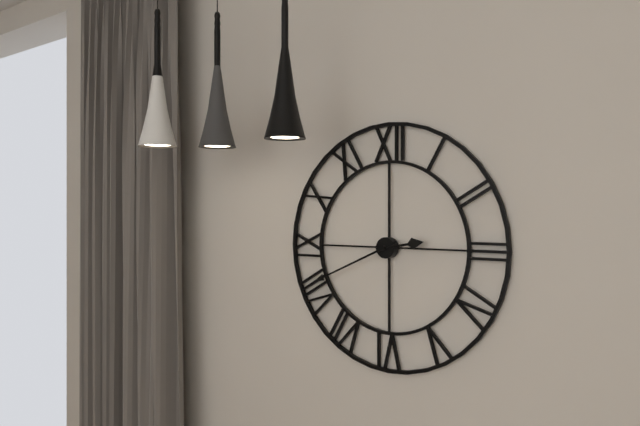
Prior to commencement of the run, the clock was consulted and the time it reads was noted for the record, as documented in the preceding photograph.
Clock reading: 2:41
